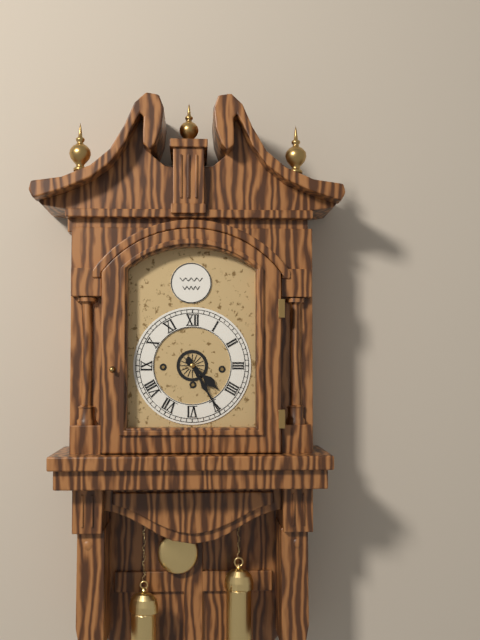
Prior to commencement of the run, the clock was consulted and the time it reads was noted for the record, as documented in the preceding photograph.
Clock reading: 4:25
